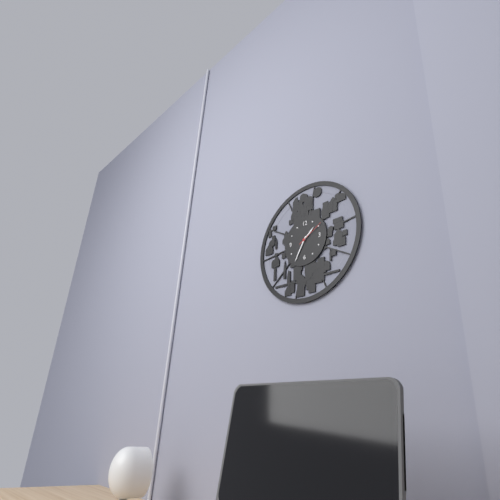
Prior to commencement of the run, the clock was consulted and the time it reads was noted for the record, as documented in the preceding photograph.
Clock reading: 1:35
